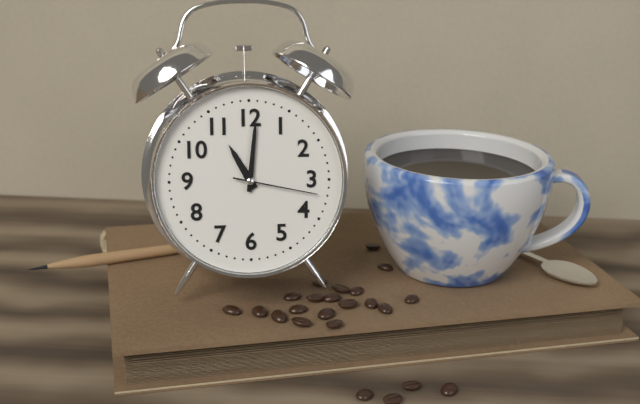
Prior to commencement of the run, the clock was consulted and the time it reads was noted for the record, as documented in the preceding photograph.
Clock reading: 11:01:17
